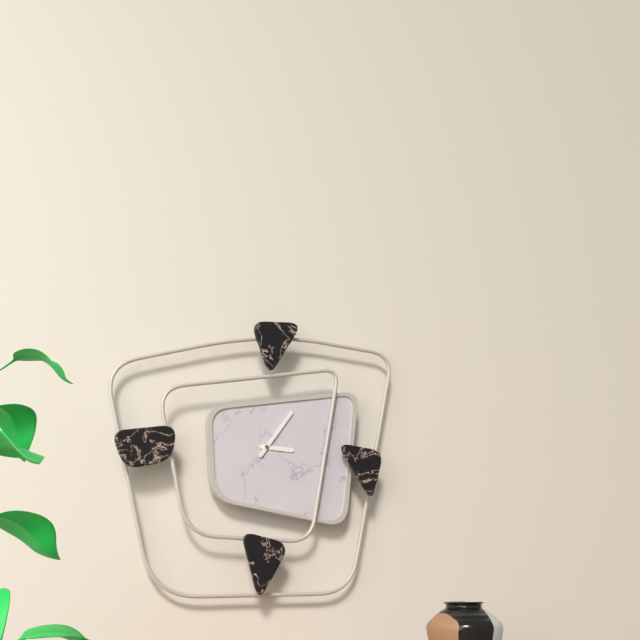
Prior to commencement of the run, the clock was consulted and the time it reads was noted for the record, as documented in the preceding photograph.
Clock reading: 3:06
